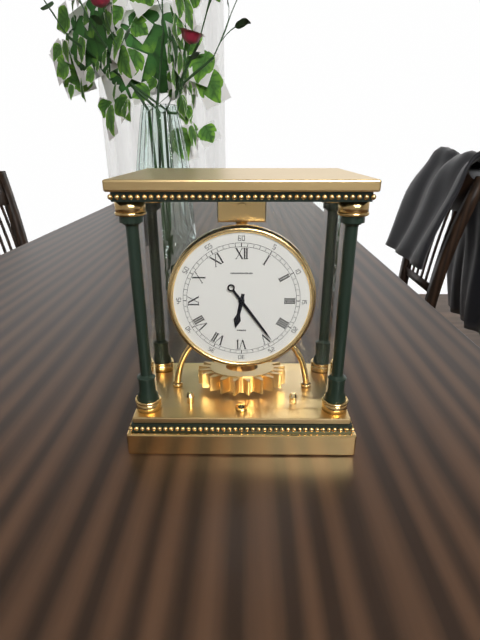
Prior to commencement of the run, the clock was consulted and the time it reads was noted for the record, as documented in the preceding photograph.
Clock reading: 6:24
